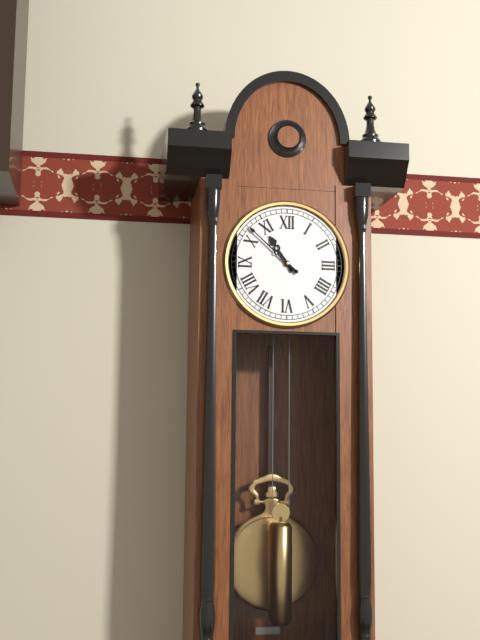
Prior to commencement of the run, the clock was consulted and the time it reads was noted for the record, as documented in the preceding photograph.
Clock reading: 10:52
